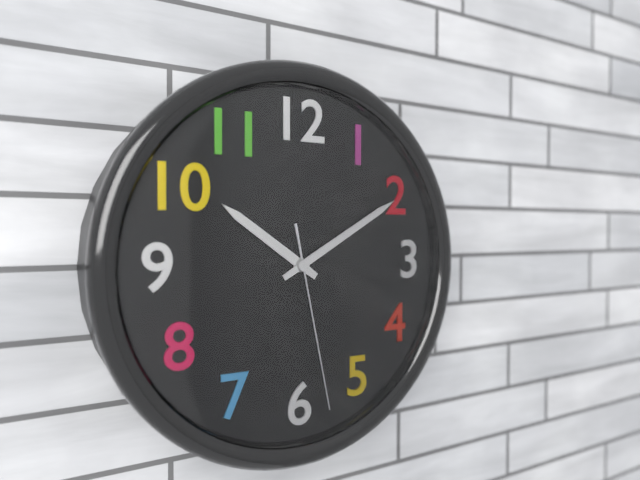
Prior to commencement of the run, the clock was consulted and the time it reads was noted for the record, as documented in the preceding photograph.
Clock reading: 10:10:28
